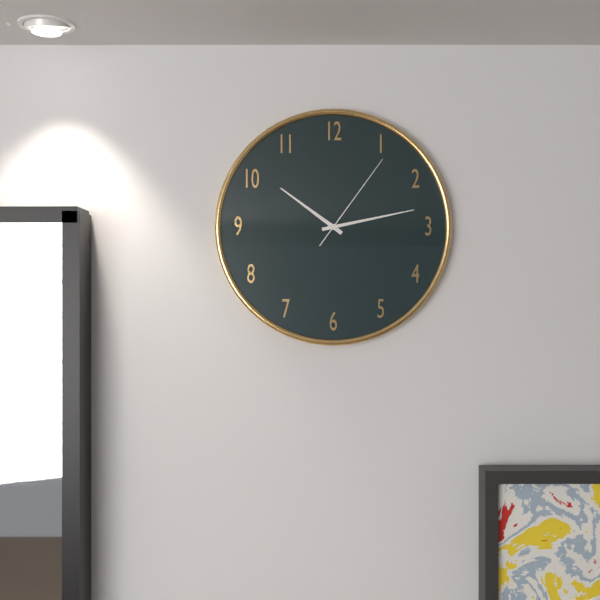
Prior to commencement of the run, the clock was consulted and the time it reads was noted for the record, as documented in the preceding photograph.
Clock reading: 10:13:06
